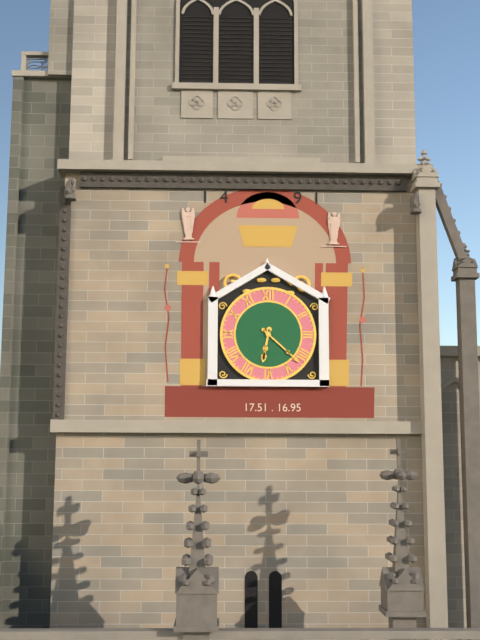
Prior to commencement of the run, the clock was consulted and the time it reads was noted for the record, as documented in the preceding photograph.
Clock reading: 6:22
